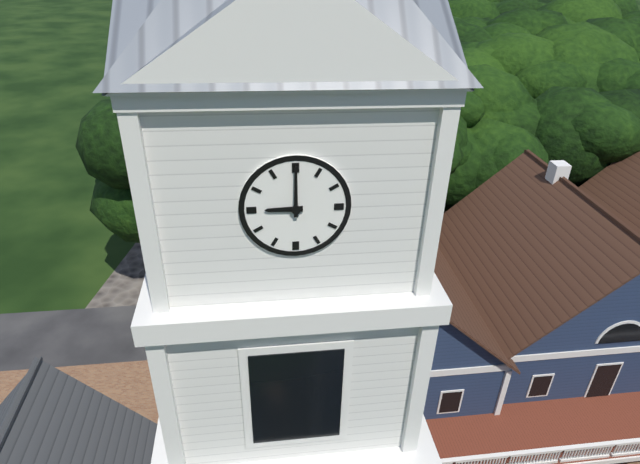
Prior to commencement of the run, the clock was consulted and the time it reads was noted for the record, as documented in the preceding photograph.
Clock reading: 9:00
